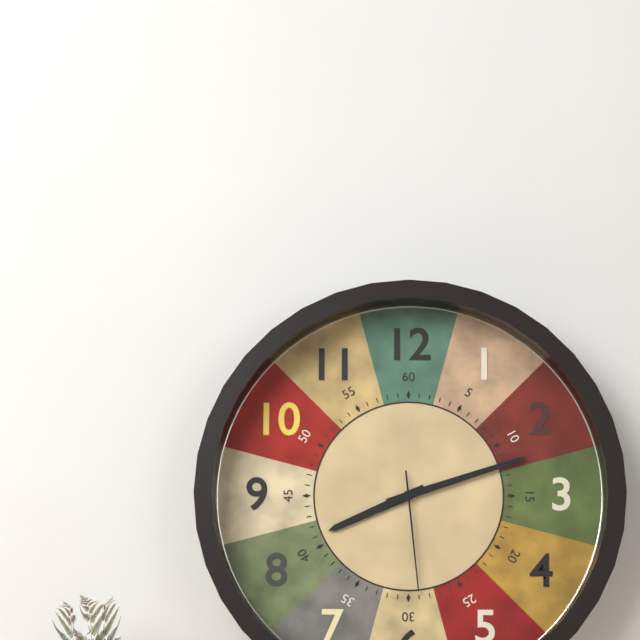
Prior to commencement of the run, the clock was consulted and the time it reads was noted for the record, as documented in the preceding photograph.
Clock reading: 8:12:29
